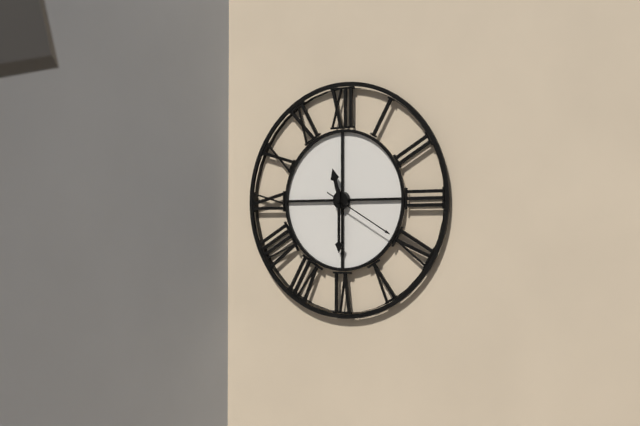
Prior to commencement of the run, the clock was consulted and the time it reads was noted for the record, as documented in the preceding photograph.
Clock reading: 11:30:20
